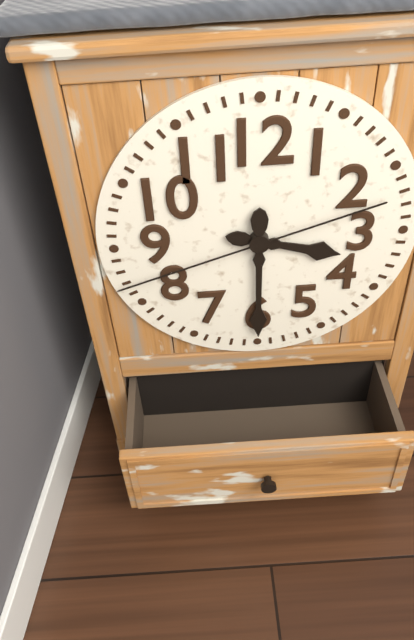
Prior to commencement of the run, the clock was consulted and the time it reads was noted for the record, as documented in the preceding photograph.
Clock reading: 3:30:42
